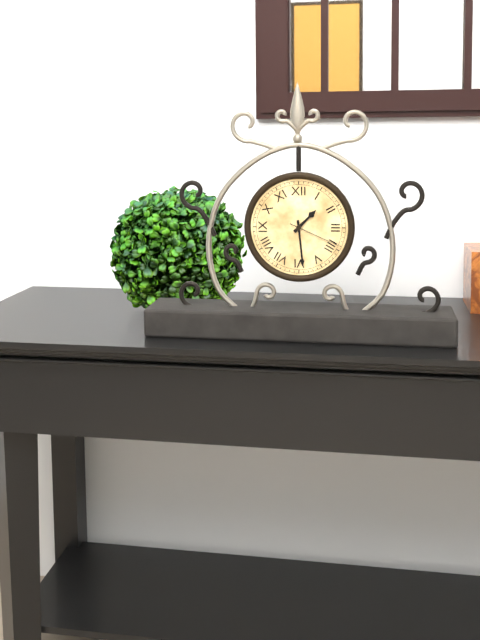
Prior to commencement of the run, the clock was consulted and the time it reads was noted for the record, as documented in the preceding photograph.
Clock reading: 1:29:19
